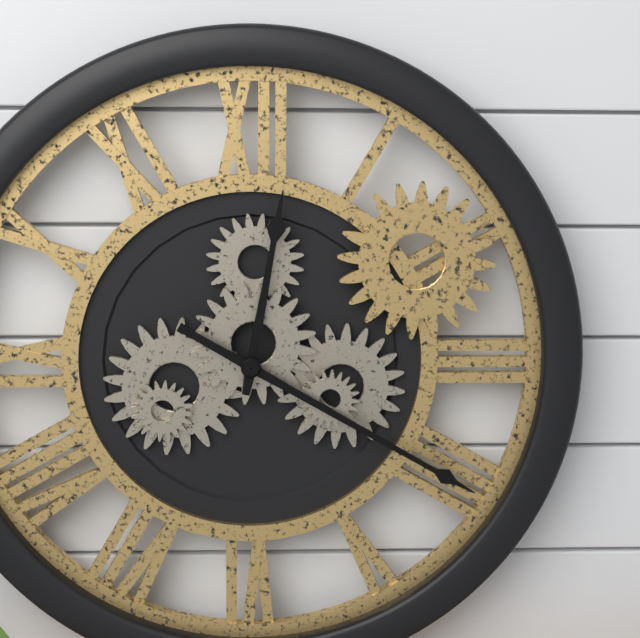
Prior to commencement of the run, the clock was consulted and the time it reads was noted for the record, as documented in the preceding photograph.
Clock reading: 12:20
